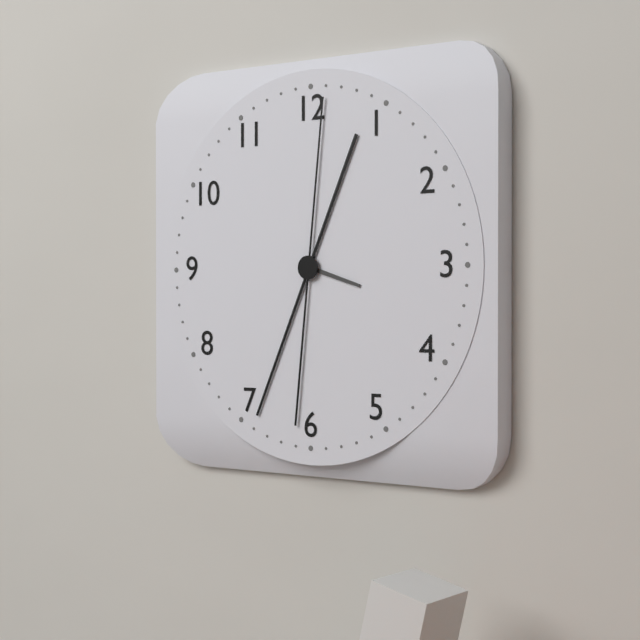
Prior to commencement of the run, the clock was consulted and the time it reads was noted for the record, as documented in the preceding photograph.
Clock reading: 3:34:01
